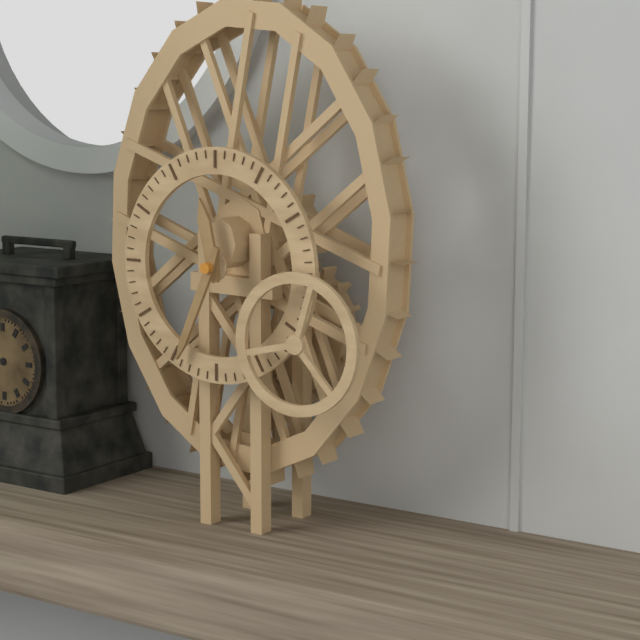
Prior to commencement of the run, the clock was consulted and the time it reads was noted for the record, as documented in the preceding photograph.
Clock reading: 11:34
